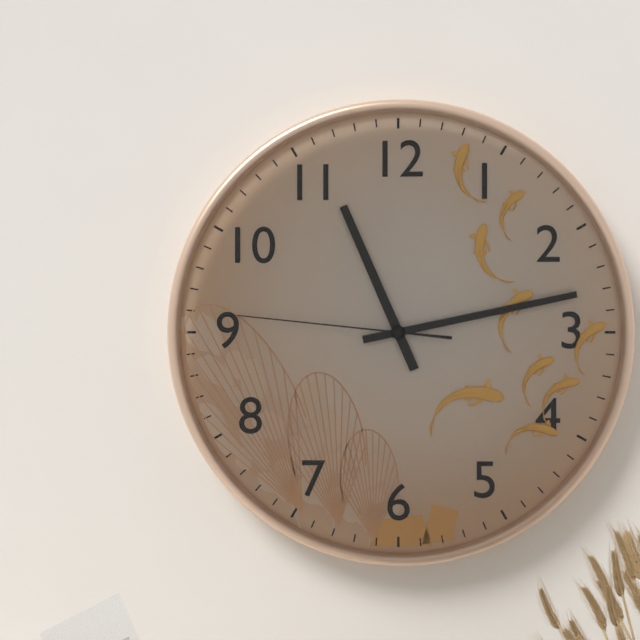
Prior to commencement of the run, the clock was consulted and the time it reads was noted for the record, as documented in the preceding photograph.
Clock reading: 11:13:46
